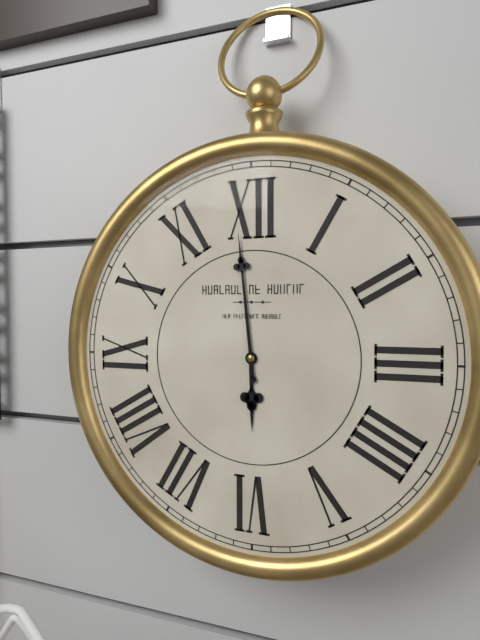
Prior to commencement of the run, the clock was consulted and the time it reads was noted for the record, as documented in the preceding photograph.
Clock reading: 5:59
